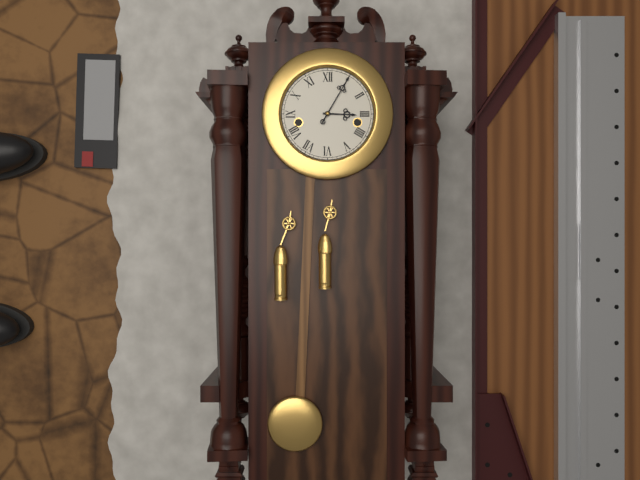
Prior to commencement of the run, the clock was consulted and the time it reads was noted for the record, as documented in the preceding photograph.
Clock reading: 3:05
